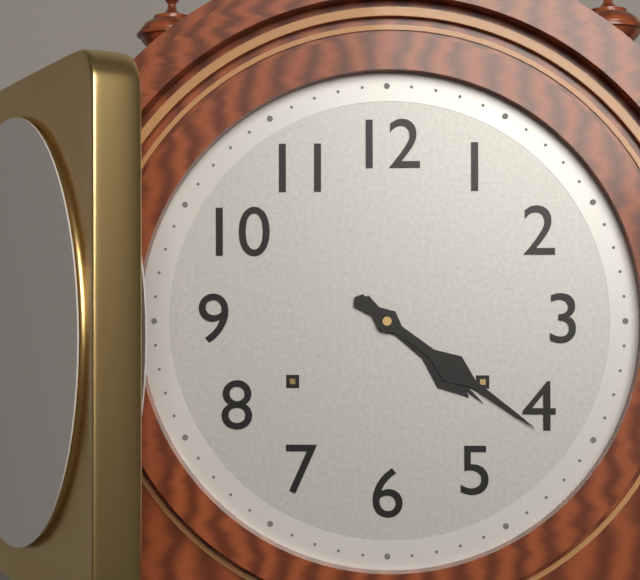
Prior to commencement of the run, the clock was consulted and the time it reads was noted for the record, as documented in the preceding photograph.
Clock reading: 4:21
